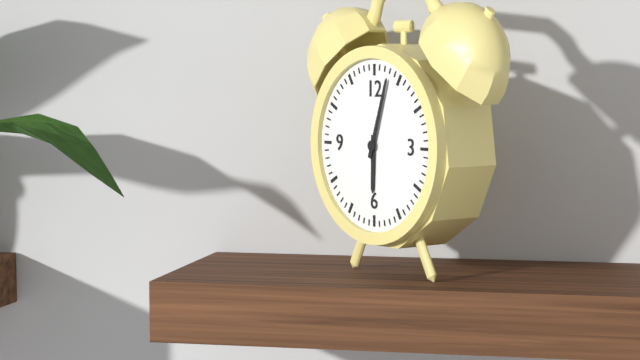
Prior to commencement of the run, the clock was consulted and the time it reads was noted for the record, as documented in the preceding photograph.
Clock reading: 6:03
